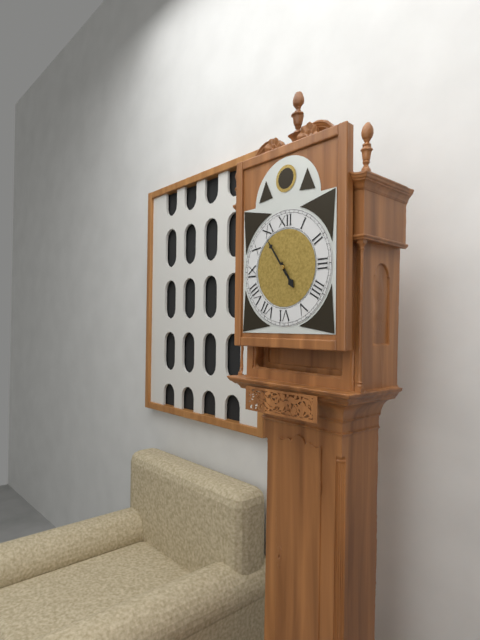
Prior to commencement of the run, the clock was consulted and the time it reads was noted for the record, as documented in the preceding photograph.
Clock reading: 4:54
